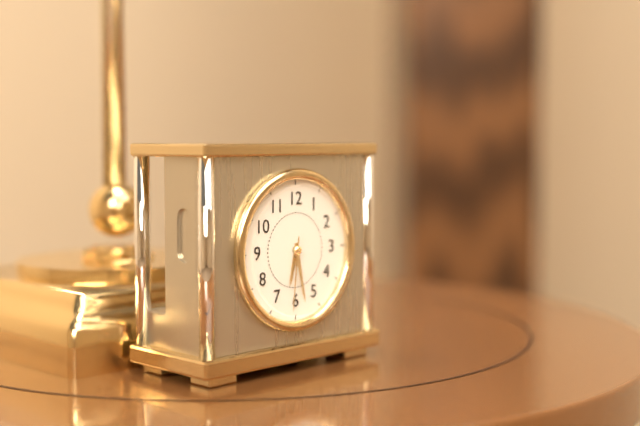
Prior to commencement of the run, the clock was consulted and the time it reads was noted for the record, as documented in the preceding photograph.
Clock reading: 6:28:31
